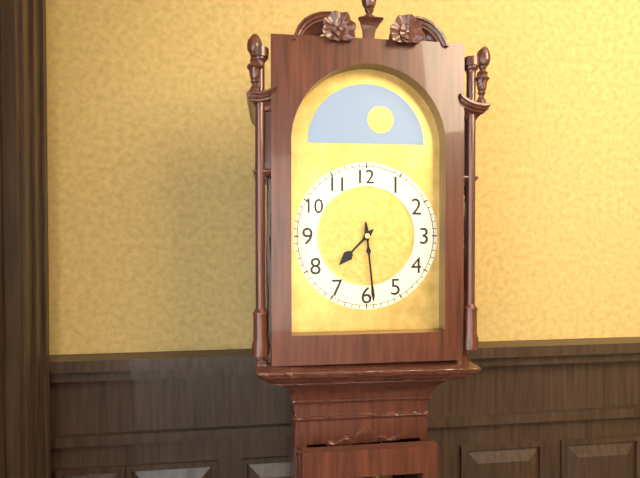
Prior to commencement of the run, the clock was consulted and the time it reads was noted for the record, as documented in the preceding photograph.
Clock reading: 7:29
